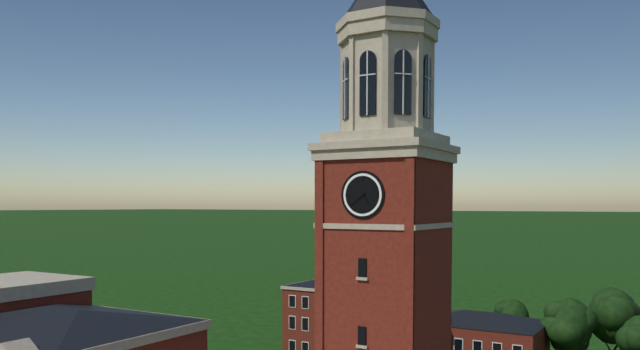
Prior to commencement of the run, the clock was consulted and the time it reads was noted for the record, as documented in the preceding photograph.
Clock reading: 4:39
